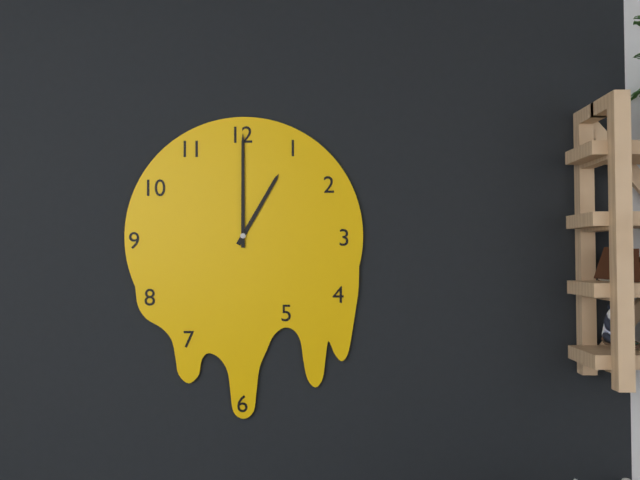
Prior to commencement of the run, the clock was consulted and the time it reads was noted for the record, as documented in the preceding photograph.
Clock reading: 1:00
